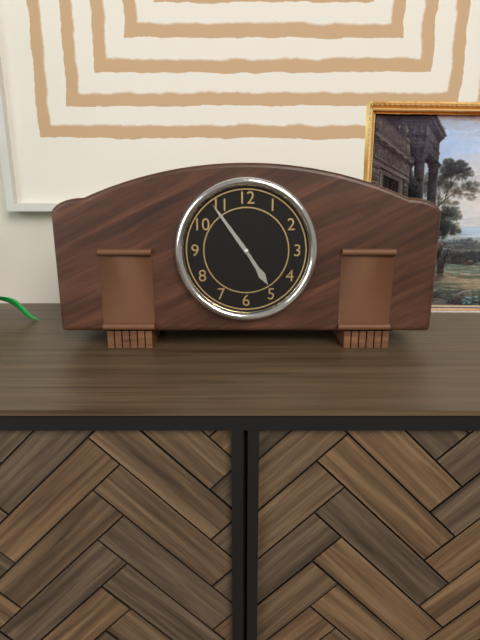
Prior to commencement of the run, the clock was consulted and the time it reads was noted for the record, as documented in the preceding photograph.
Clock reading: 4:54
